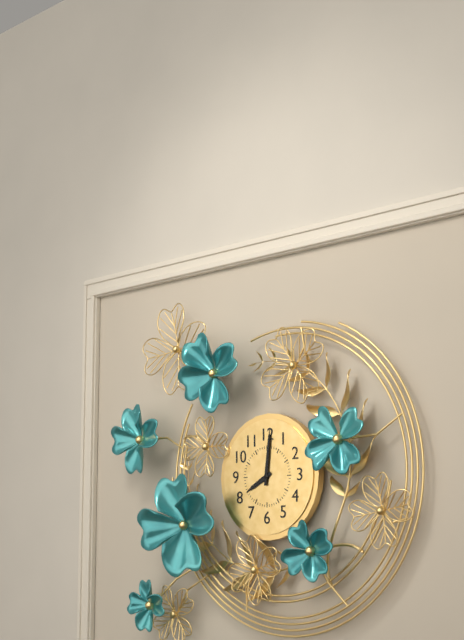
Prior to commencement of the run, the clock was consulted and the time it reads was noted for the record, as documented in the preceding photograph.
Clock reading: 8:01
